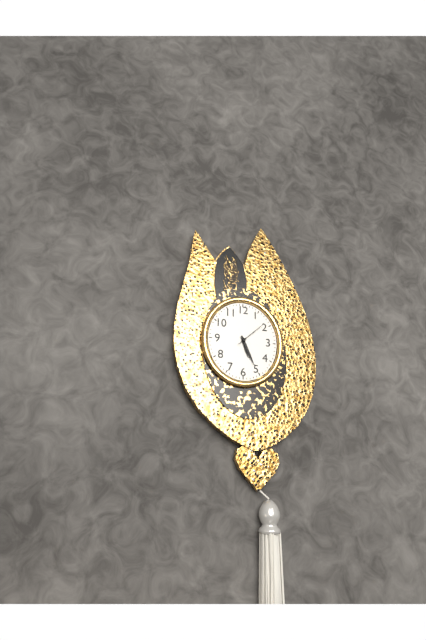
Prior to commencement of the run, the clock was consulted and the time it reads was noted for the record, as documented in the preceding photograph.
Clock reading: 5:26
